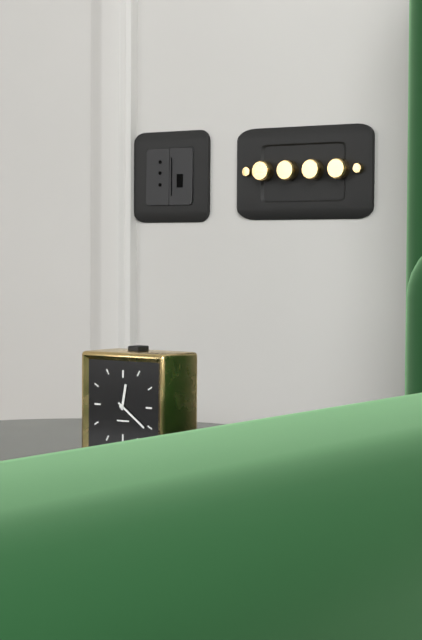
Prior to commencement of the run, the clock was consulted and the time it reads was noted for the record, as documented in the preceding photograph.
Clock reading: 12:21
